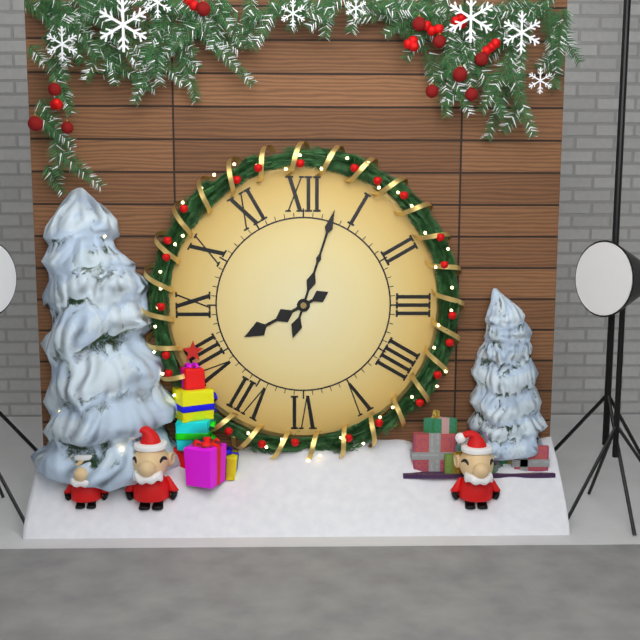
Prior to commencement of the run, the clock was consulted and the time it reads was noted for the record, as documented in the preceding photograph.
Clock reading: 8:03
